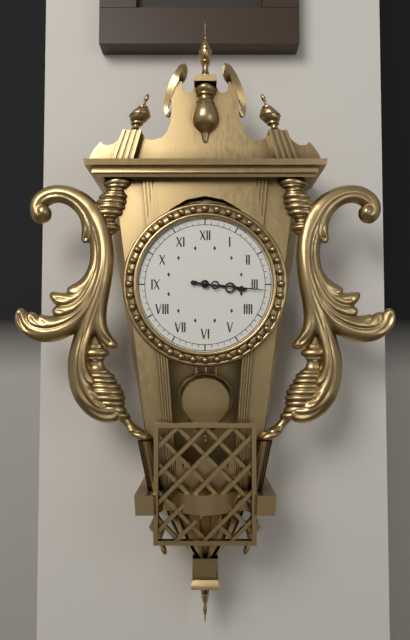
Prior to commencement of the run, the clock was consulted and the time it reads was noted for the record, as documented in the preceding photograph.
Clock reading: 3:16
